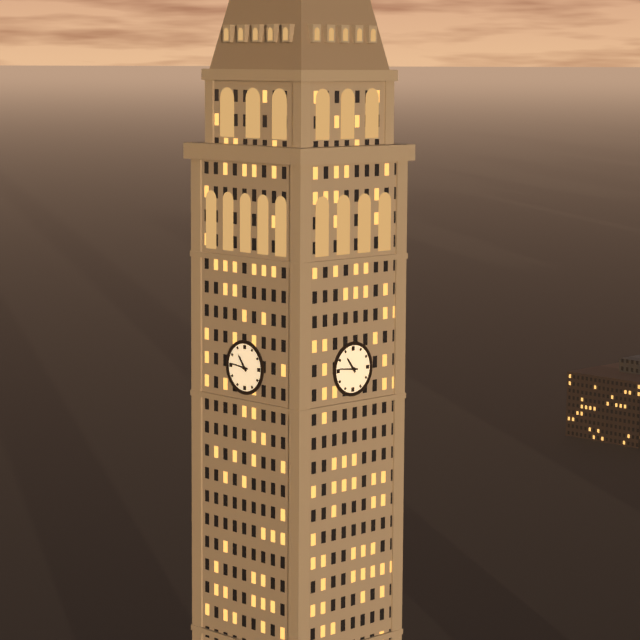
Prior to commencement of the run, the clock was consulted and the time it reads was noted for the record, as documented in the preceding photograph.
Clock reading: 10:46
